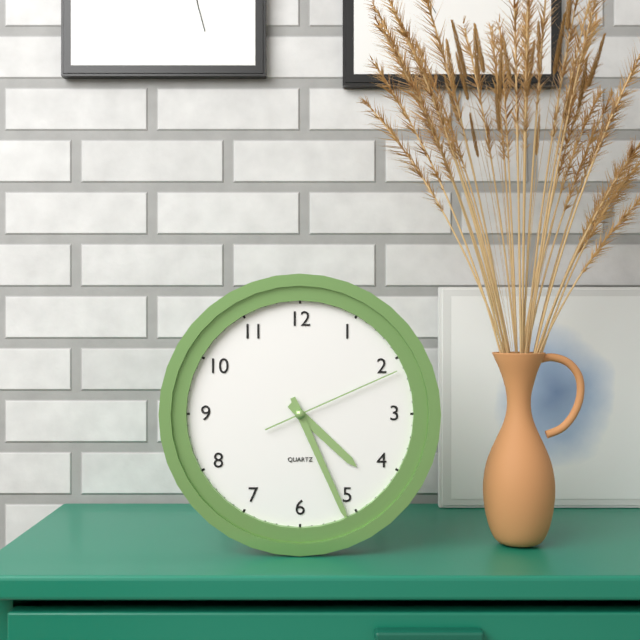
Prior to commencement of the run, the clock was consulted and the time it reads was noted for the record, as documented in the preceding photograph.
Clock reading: 4:26:11
